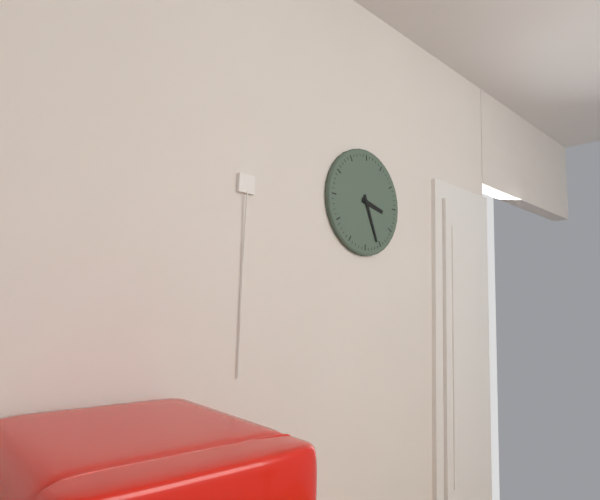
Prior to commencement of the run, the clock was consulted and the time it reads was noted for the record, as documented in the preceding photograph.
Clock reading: 3:26
